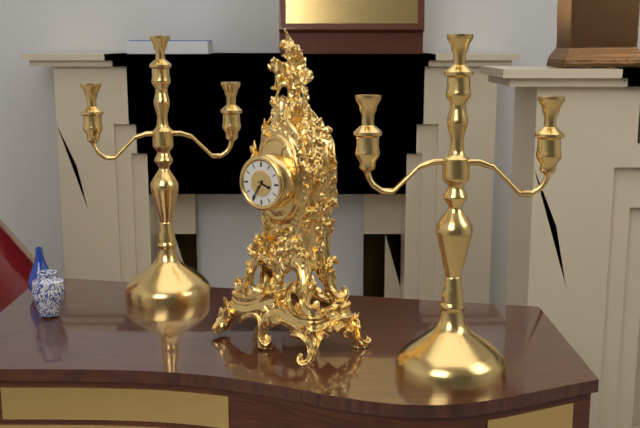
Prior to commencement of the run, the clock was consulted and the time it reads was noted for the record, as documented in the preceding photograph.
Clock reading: 3:35
